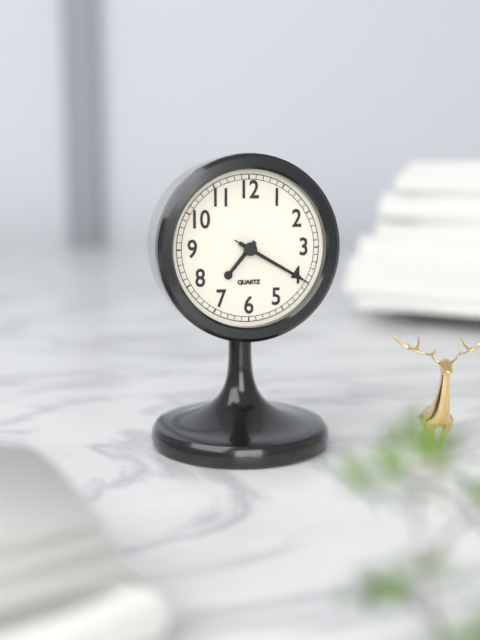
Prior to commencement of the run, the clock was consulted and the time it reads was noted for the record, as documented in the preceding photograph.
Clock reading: 7:20:20
